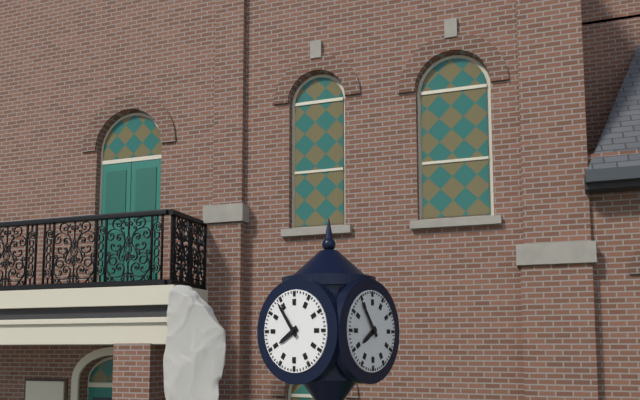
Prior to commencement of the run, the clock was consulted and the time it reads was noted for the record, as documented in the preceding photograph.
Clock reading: 7:54
